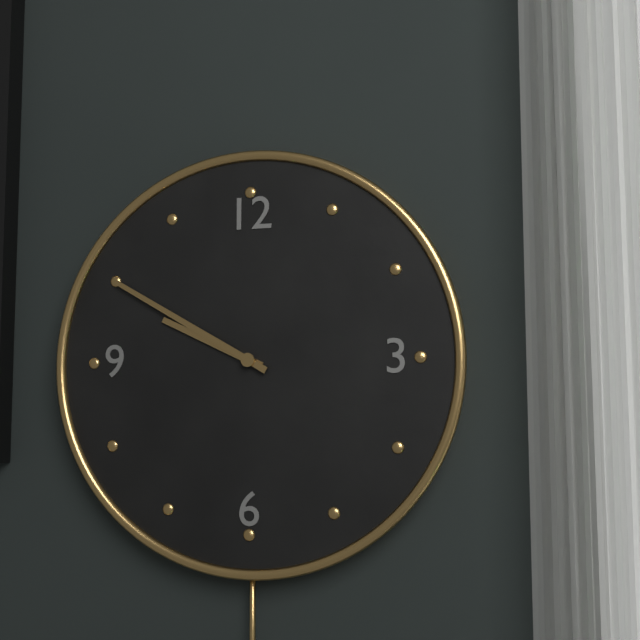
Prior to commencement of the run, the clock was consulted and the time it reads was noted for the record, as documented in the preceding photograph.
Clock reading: 9:50
